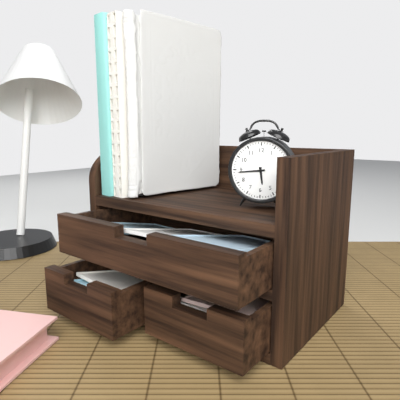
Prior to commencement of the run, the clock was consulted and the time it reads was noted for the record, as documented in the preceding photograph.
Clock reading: 5:44
